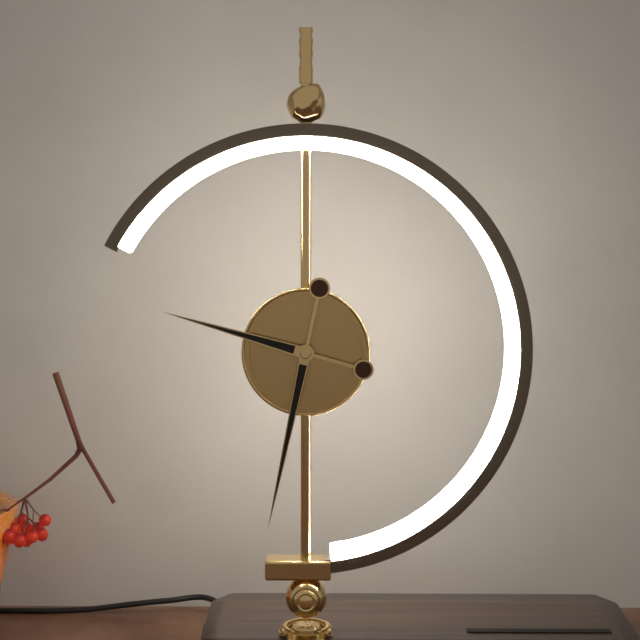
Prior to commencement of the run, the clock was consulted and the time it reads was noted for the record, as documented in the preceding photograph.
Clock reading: 9:32
